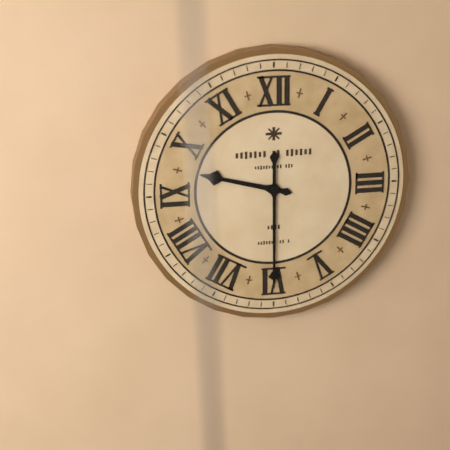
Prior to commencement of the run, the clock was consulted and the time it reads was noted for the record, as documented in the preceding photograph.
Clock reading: 9:30
